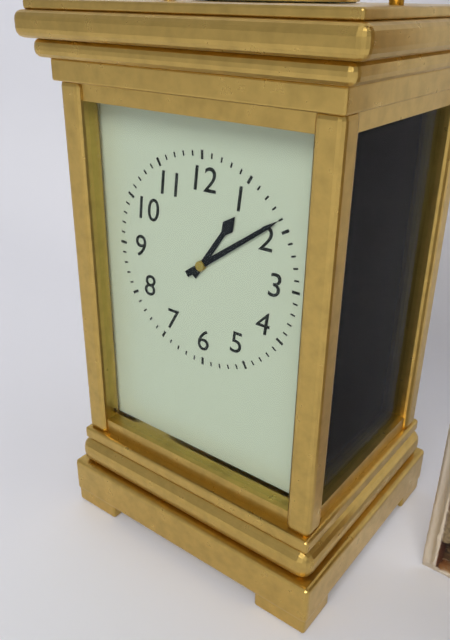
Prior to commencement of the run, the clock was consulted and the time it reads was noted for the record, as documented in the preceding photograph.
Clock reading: 1:09
